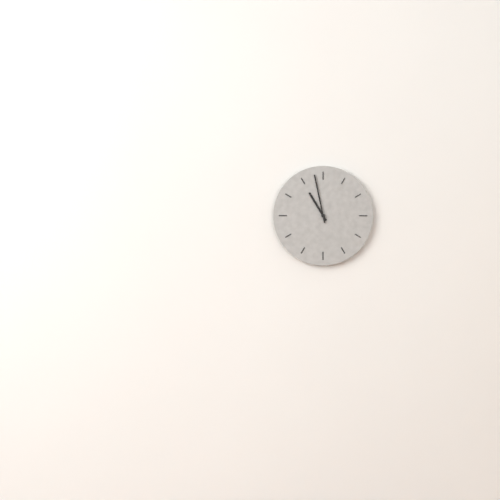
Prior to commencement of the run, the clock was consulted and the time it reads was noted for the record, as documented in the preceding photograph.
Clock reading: 10:58
